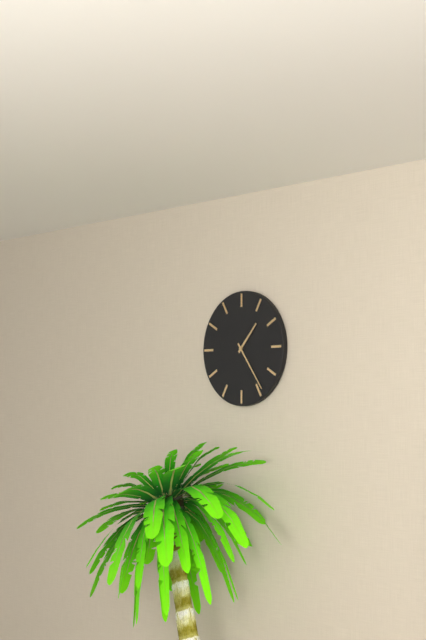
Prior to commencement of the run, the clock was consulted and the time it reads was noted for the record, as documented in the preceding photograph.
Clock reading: 1:24
